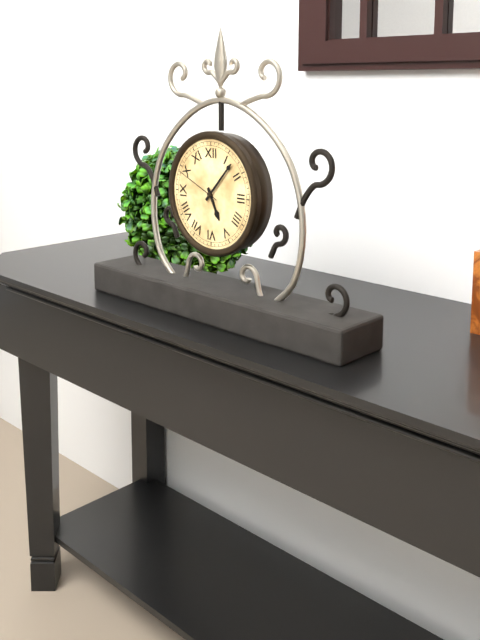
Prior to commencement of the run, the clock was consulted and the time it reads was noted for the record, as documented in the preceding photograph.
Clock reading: 5:07:49
